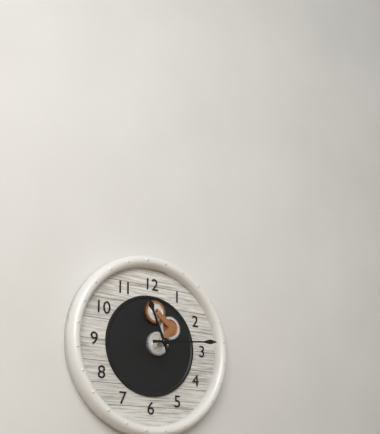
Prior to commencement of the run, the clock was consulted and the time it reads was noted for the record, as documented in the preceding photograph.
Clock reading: 11:14
